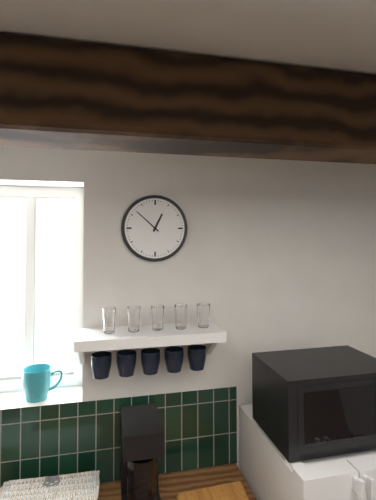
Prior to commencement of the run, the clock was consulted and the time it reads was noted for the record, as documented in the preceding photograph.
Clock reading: 12:52
